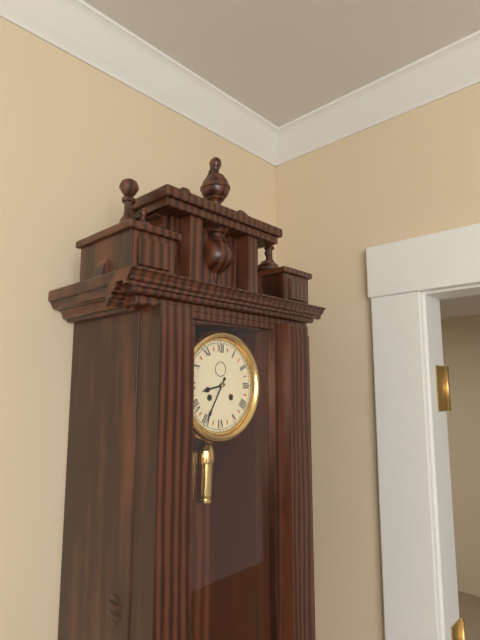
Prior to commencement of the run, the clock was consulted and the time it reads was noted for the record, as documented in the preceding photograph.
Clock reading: 8:35
